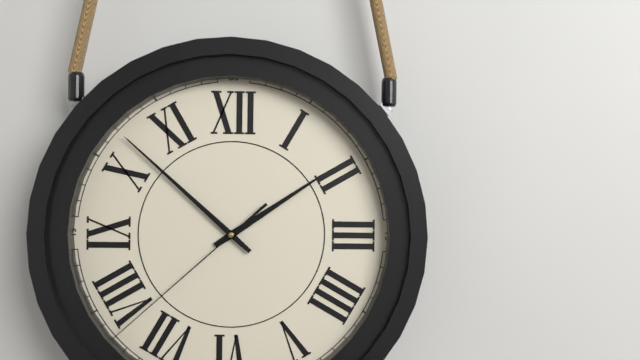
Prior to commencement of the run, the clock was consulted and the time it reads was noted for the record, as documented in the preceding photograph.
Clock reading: 1:52:38
